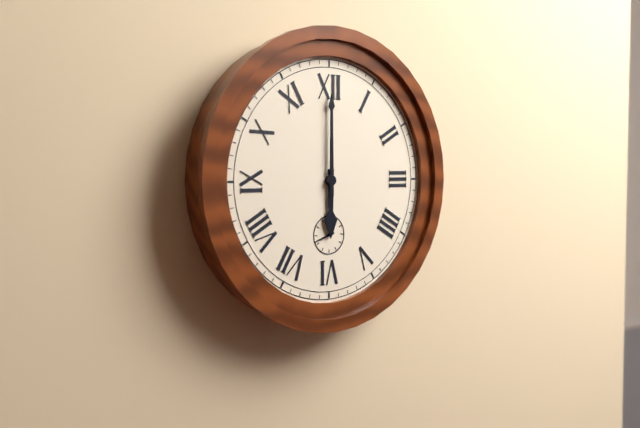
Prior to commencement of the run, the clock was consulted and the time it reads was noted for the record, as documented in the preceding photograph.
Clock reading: 6:00
